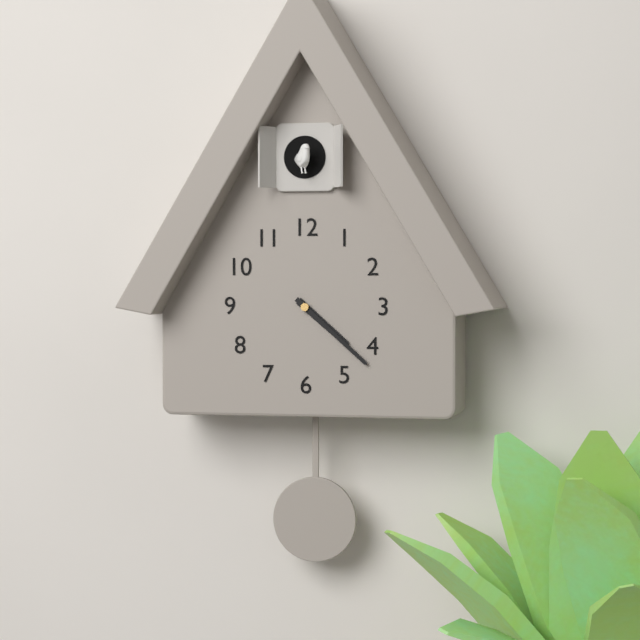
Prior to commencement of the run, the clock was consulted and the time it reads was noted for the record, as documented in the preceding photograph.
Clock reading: 4:22
